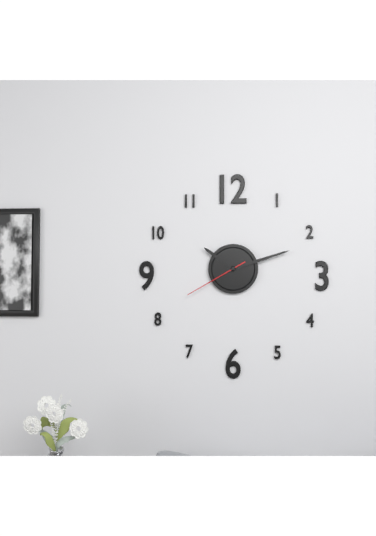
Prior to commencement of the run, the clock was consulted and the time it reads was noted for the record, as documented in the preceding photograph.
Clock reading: 10:12:40
